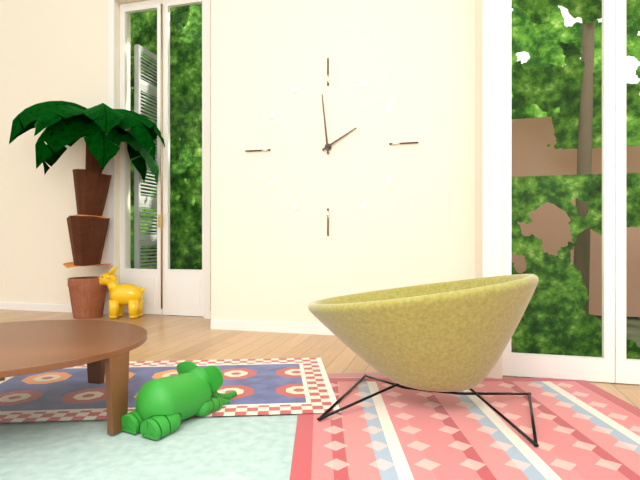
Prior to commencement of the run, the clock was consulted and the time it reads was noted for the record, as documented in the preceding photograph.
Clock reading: 1:59
